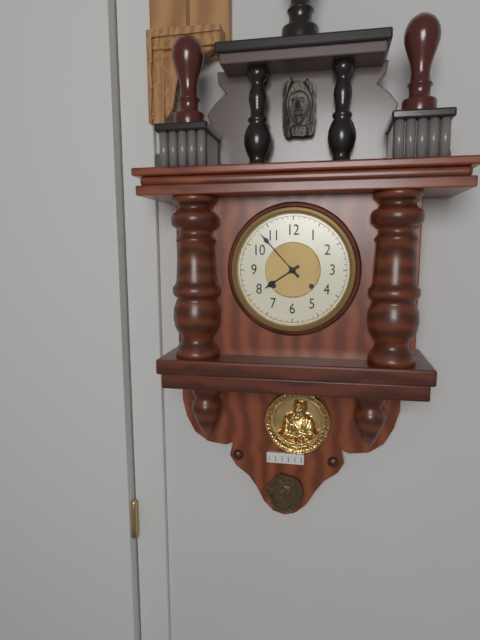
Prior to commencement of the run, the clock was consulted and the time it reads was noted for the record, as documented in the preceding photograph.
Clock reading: 7:53
